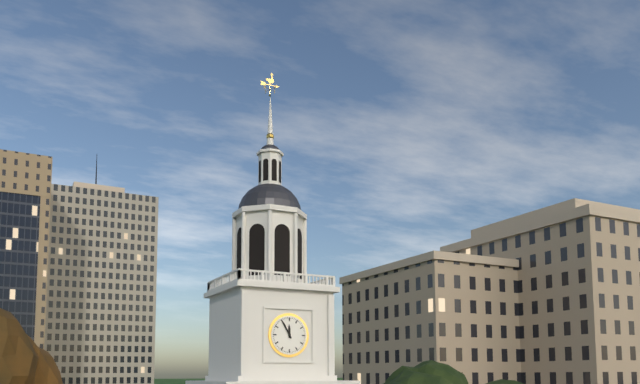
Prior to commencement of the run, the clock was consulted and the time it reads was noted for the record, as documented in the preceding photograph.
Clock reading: 11:55
